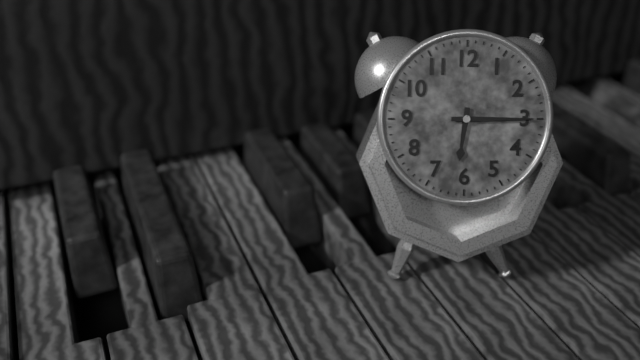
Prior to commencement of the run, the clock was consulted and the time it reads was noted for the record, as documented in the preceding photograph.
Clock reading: 6:15
